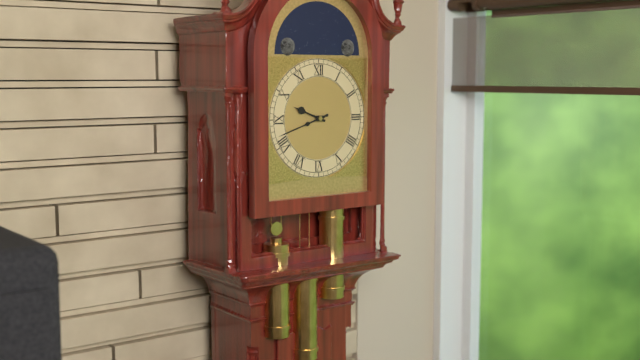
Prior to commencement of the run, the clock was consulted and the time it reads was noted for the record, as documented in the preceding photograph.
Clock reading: 9:42
